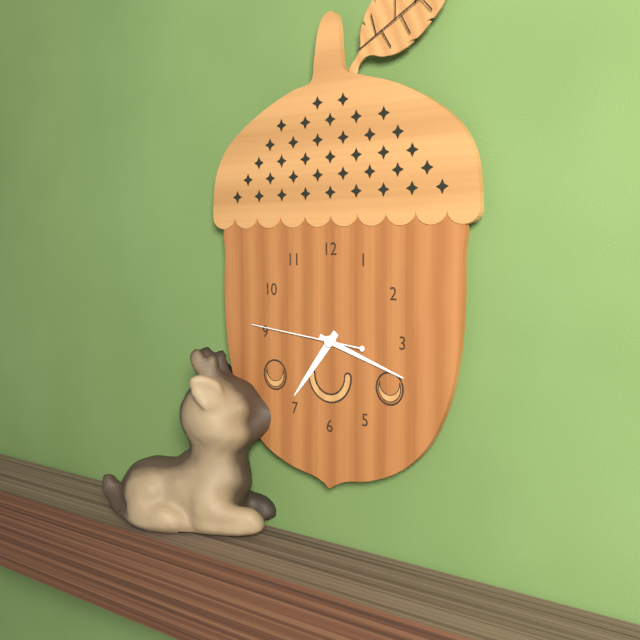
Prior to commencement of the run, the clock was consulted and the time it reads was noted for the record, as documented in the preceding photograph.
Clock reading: 7:18:46
